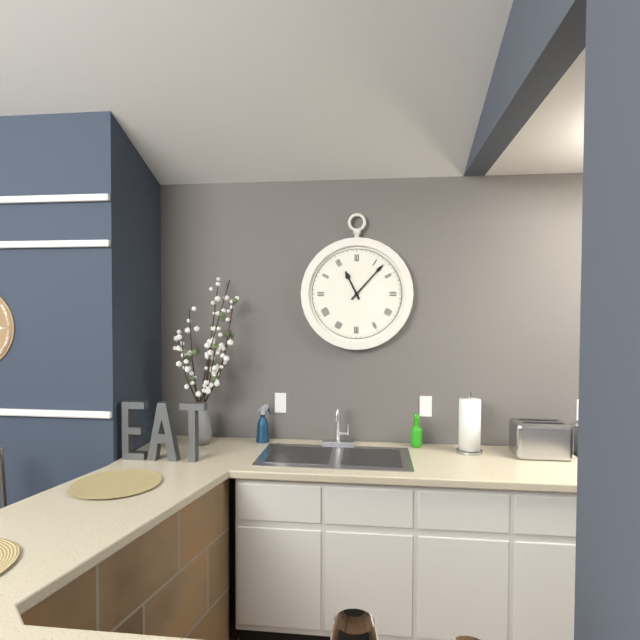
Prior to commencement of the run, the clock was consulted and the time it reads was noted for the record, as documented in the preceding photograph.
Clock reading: 11:07
